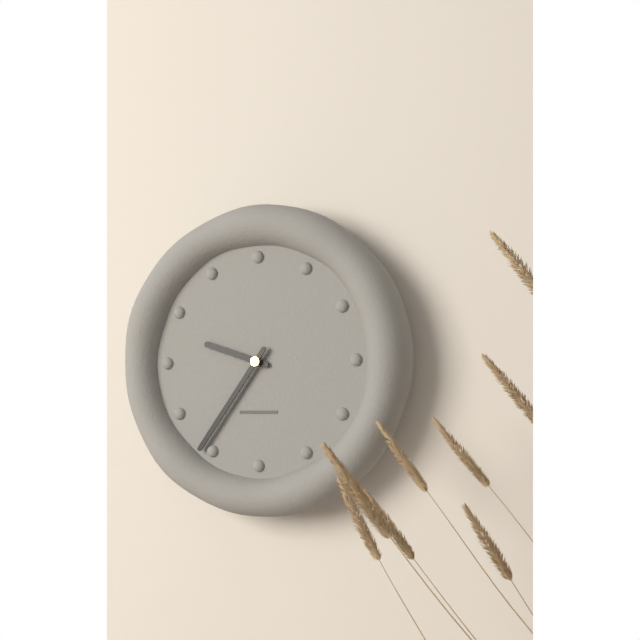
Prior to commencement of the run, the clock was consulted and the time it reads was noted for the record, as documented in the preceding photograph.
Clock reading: 9:36
